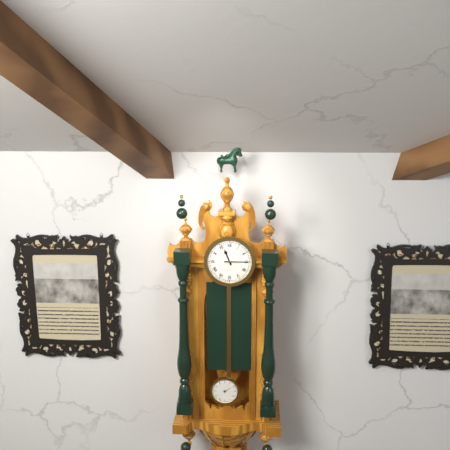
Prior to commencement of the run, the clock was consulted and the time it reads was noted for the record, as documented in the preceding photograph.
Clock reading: 11:15
